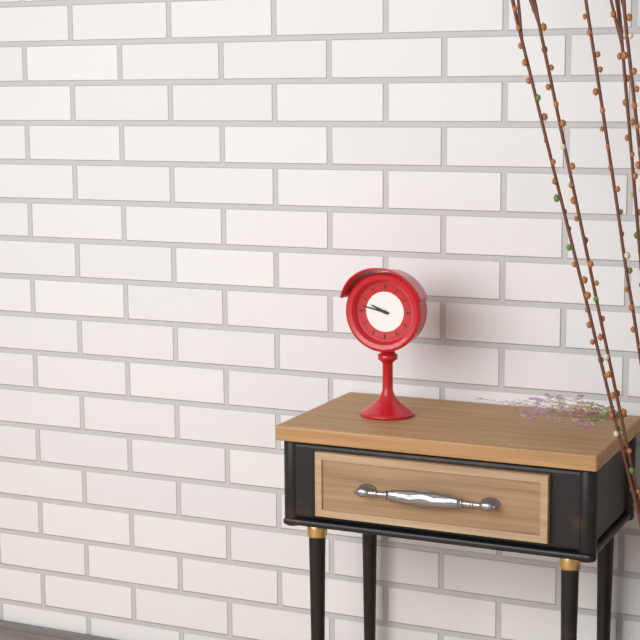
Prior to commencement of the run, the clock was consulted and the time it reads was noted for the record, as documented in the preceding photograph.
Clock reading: 9:47
